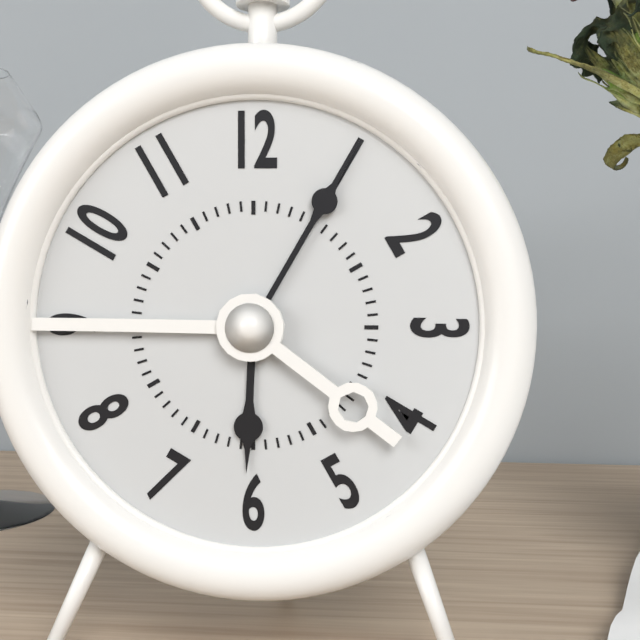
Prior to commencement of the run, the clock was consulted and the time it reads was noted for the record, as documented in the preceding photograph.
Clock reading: 6:05
